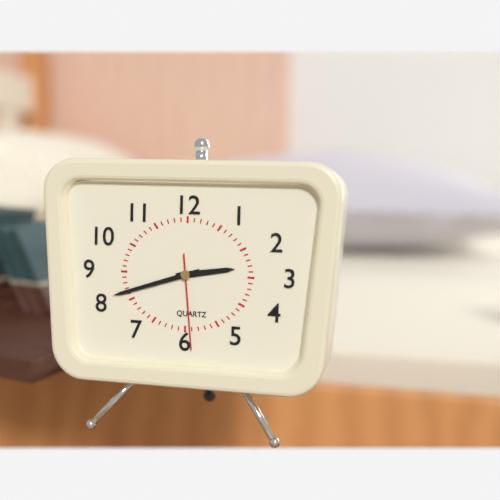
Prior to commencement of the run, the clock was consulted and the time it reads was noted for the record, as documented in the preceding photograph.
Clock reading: 2:42:29
